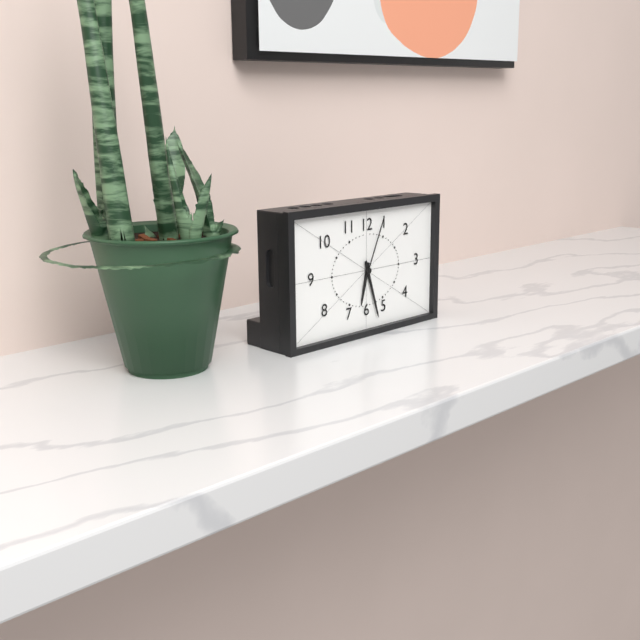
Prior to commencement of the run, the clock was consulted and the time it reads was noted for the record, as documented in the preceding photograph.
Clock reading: 6:27:04
